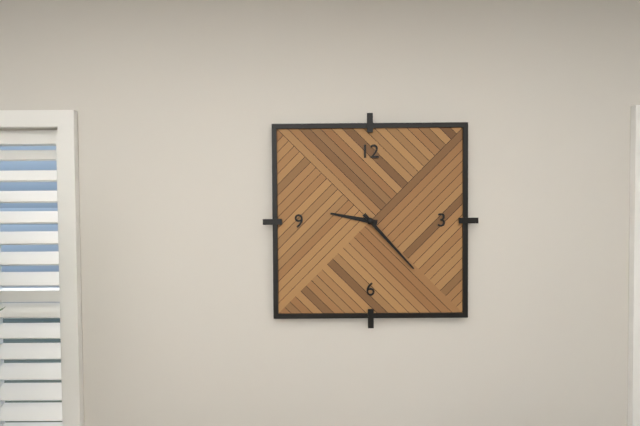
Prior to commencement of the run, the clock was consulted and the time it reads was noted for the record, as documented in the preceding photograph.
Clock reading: 9:23
